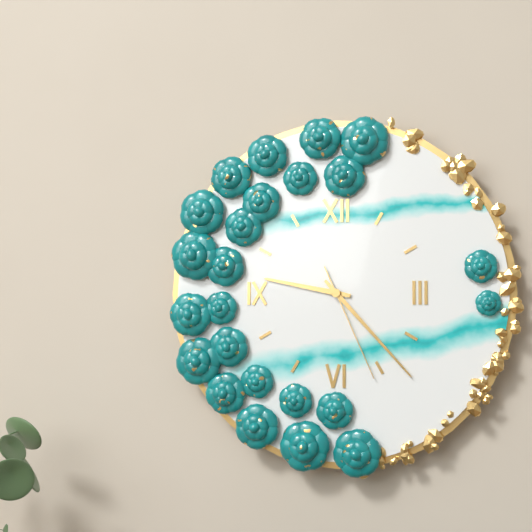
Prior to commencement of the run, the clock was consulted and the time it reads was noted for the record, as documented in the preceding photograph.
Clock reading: 9:23:26
